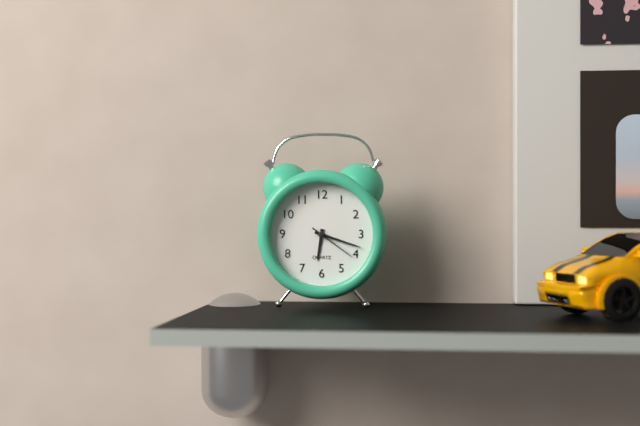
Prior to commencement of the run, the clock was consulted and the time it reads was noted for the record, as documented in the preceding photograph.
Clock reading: 6:18
